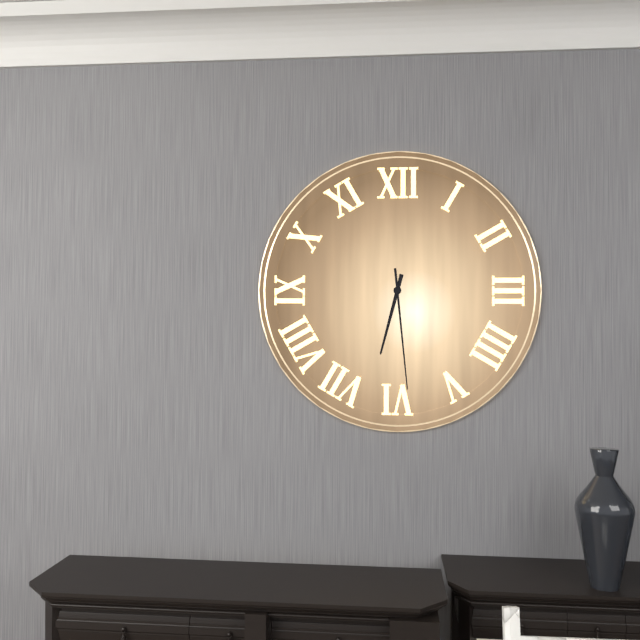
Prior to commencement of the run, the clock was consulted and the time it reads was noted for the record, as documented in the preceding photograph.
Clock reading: 6:29
